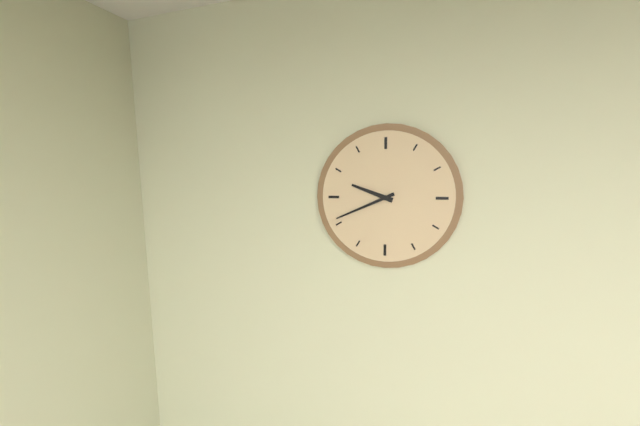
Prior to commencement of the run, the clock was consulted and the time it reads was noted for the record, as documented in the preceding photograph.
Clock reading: 9:41
